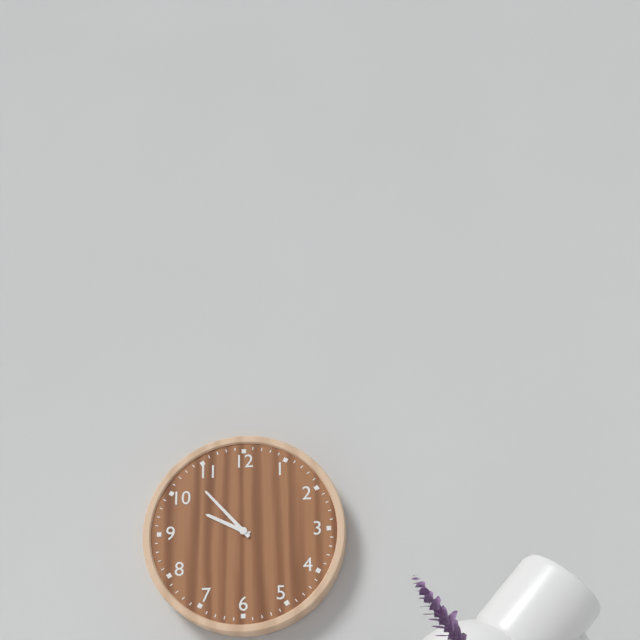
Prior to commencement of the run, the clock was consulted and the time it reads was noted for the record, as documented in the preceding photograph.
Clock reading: 9:53
